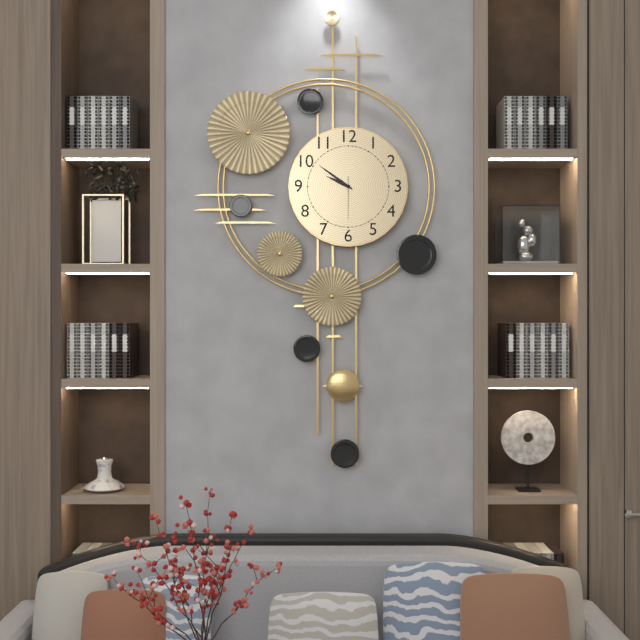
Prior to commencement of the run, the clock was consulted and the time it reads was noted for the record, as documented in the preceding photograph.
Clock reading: 9:51
